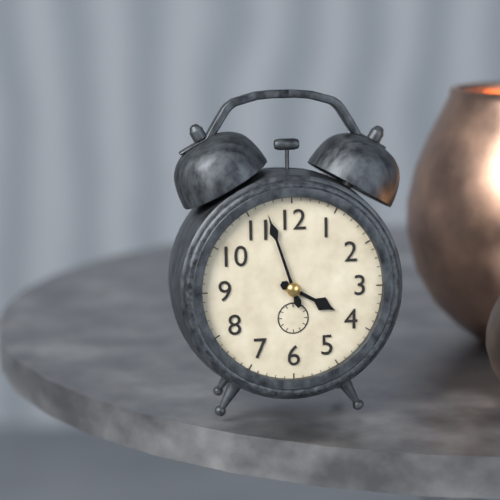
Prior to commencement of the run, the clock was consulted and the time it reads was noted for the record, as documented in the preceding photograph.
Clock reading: 3:57
